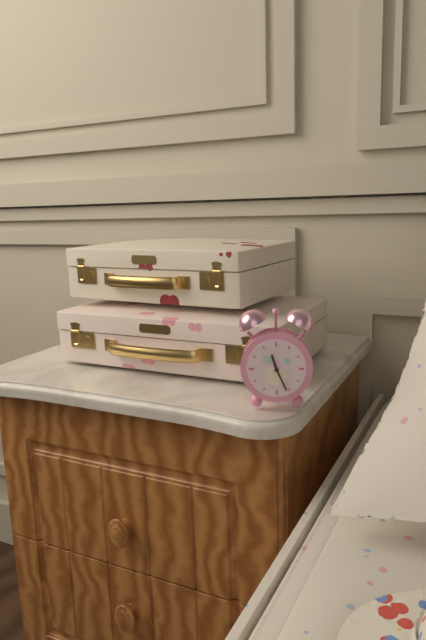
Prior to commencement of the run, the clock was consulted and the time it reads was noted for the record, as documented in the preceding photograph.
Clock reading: 11:26
